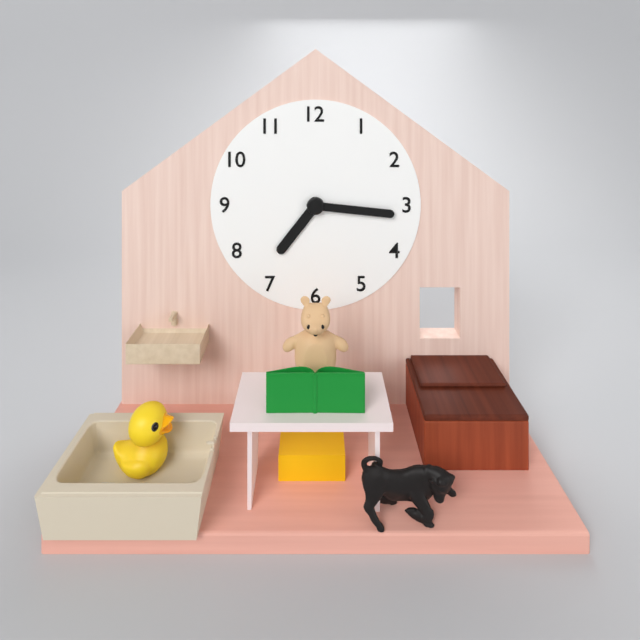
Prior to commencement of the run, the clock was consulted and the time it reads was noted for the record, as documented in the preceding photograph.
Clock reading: 7:16
